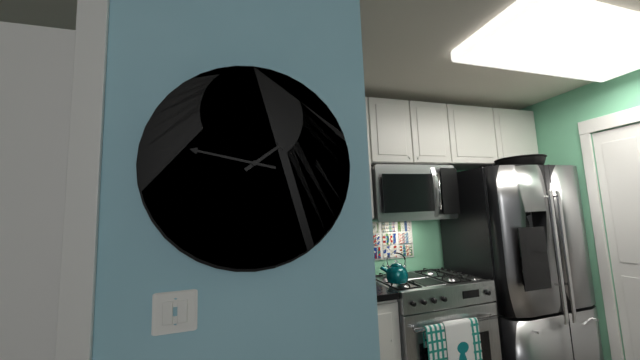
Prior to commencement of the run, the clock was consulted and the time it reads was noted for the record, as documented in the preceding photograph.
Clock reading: 1:47
